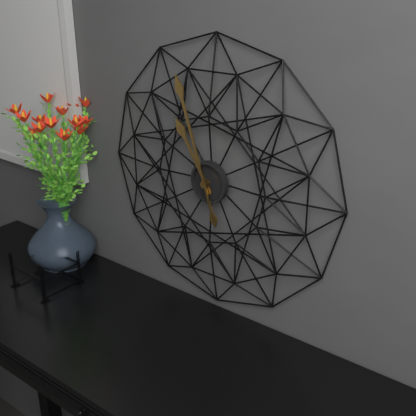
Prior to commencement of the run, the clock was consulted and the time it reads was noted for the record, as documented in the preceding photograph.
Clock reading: 10:57
